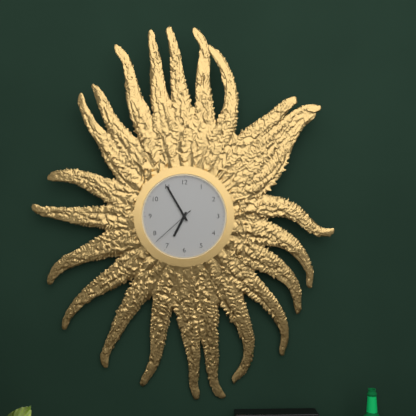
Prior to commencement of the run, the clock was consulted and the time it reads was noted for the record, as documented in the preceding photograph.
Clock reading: 6:55
